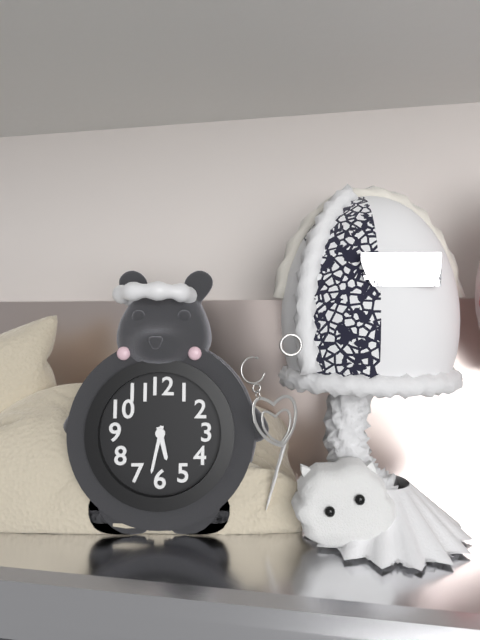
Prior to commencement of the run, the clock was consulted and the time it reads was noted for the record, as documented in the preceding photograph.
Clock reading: 5:32
